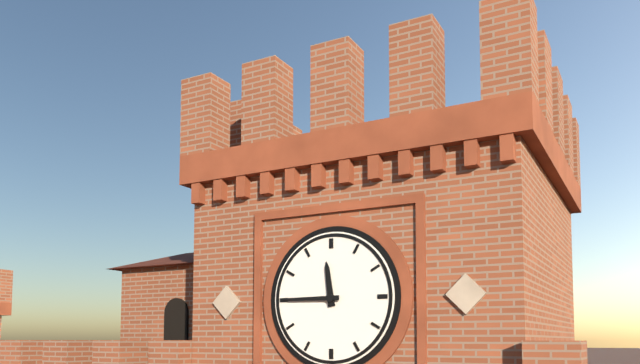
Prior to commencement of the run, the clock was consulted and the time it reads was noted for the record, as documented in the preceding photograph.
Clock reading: 11:45
